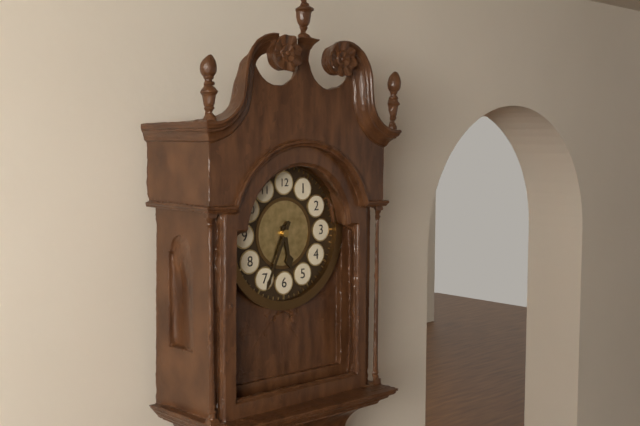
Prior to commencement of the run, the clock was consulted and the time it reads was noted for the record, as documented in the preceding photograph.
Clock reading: 5:34
